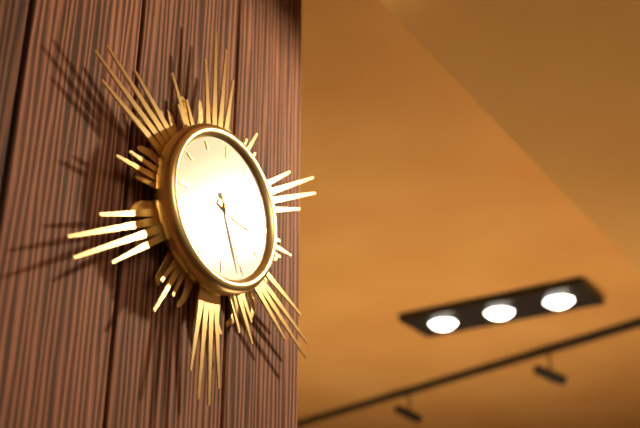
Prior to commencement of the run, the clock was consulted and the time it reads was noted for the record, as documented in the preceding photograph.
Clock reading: 3:26
